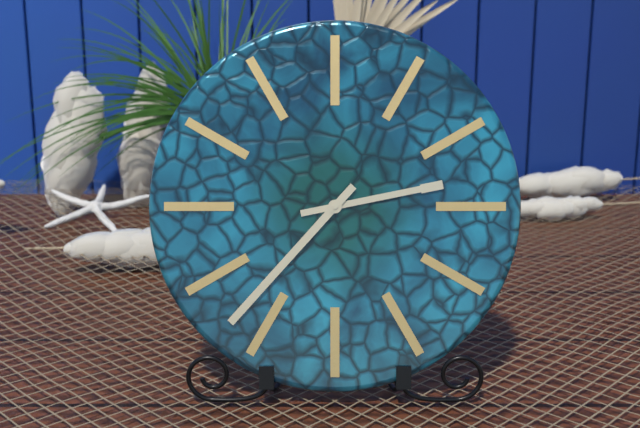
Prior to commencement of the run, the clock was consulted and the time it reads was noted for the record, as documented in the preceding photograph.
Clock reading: 2:37
